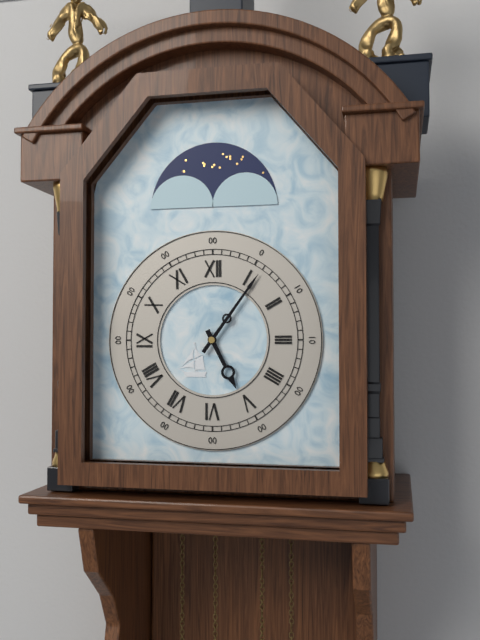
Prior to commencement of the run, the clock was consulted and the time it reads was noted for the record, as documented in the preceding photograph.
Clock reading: 5:06
